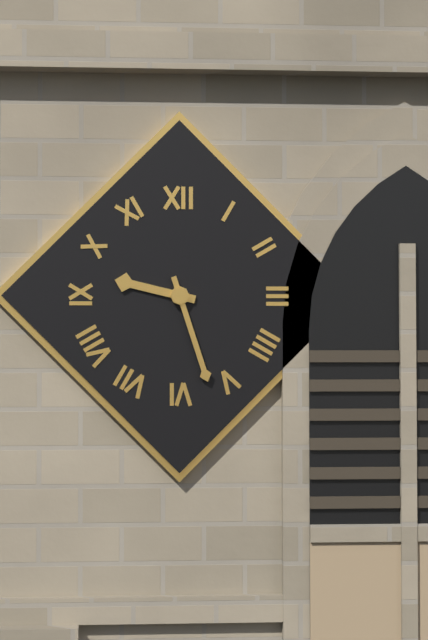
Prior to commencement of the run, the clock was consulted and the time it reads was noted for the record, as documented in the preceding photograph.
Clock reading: 9:27
